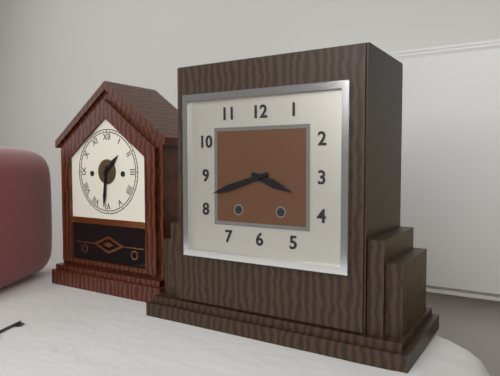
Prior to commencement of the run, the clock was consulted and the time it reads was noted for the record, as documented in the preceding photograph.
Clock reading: 3:42
